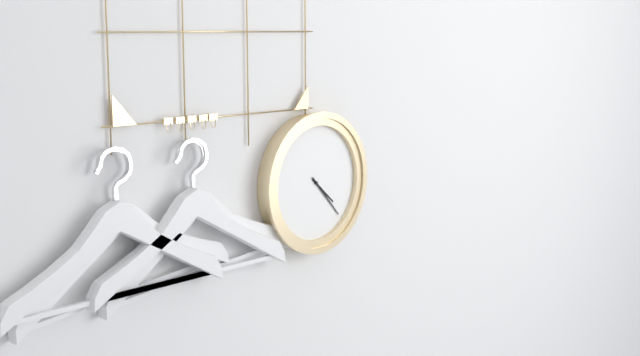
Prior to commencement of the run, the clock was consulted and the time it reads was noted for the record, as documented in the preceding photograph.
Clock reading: 4:23
